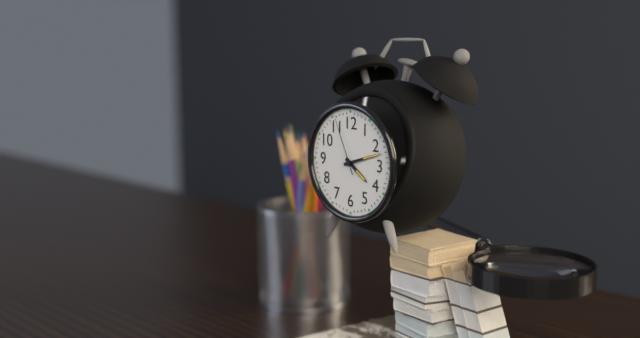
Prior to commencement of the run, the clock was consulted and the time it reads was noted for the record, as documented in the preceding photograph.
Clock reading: 4:12:56
